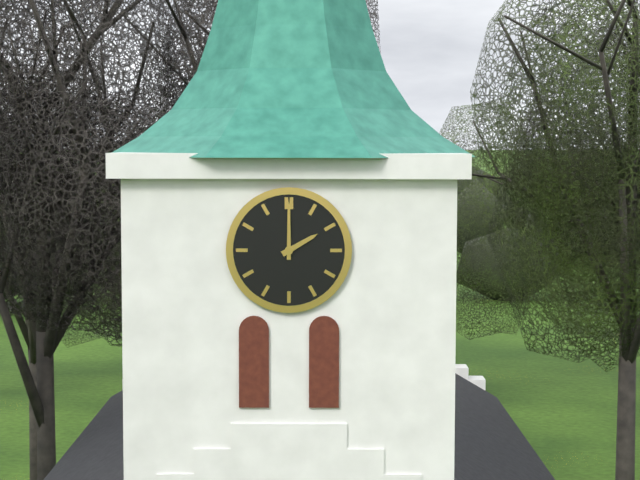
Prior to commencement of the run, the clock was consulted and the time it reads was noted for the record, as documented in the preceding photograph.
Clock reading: 2:00
